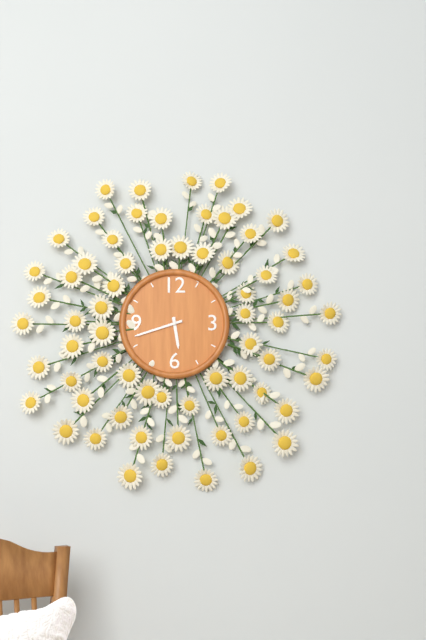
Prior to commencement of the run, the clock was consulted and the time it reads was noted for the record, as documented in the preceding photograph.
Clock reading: 5:42
